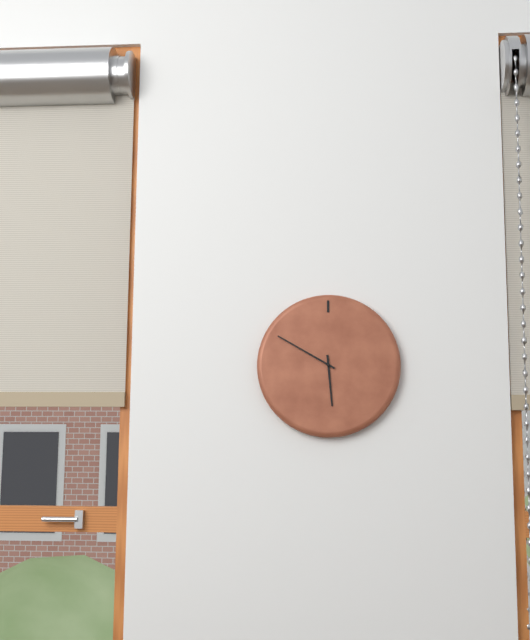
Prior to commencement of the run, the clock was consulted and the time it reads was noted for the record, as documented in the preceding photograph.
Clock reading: 5:50
